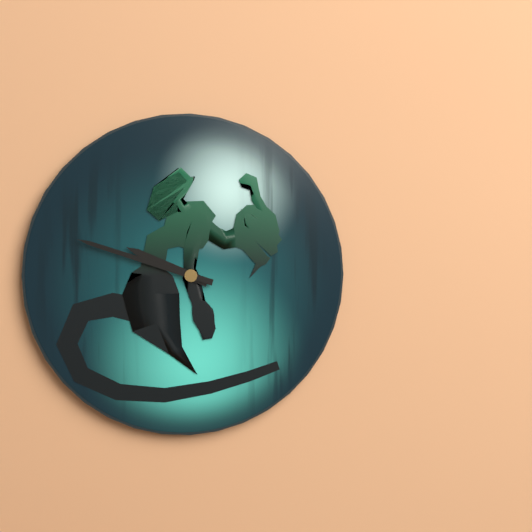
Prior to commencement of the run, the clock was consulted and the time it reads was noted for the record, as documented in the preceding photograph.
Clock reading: 9:48
